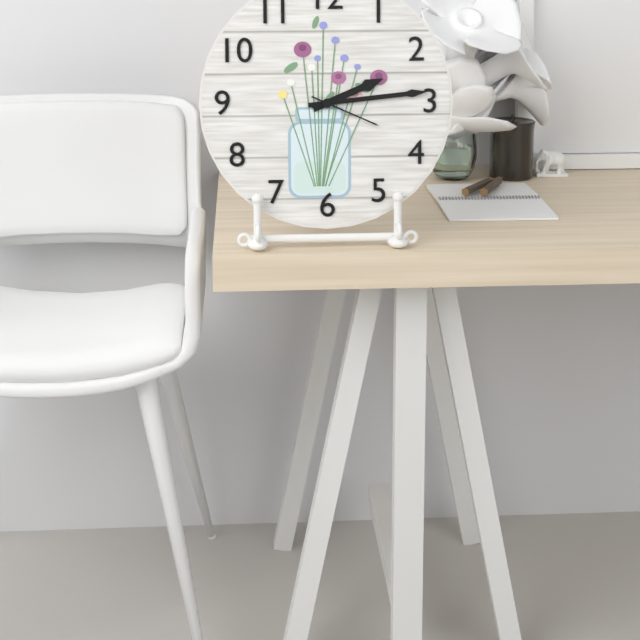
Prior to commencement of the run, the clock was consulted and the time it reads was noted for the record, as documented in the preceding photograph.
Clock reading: 2:14:19
